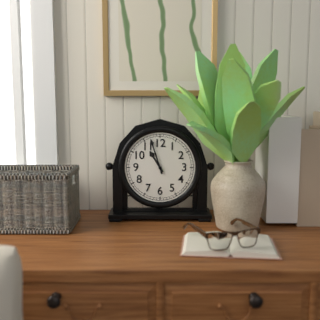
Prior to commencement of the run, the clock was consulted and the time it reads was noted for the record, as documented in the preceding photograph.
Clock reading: 10:57
